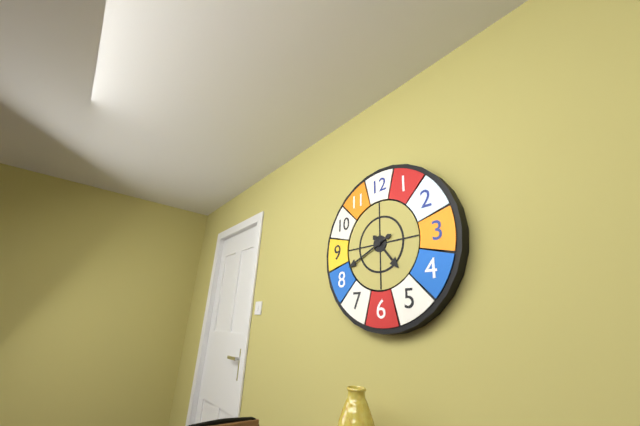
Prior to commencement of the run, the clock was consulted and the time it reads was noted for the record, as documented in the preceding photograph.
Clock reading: 4:41
